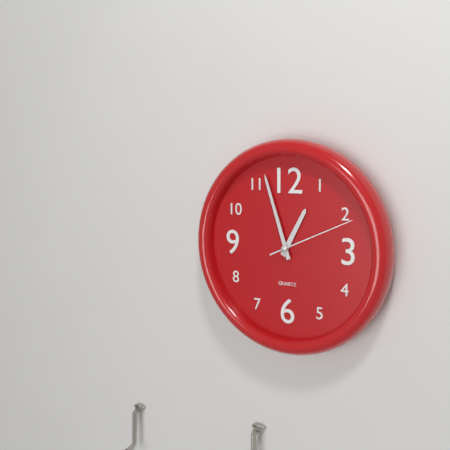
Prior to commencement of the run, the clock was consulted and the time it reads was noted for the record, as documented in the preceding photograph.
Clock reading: 12:57:11
